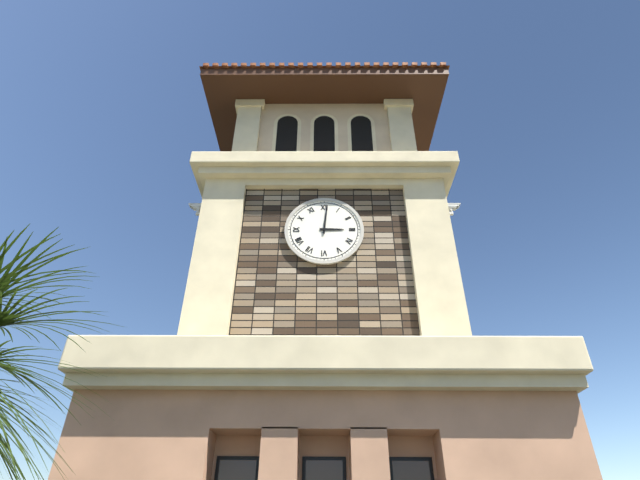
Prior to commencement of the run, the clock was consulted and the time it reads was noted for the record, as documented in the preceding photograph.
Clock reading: 3:01
